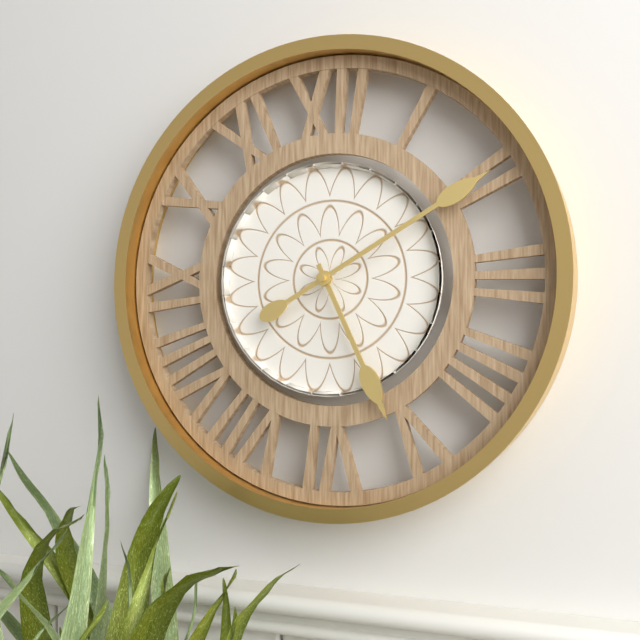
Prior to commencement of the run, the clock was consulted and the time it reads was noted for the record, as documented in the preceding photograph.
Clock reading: 5:10
